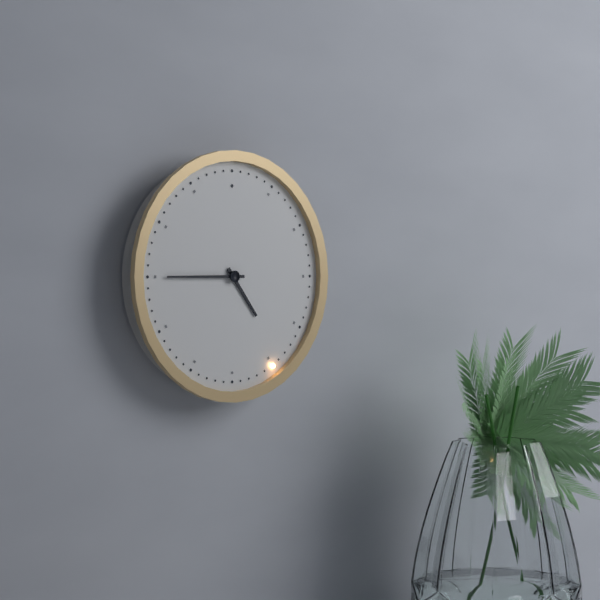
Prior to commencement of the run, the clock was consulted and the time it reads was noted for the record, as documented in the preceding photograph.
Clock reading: 4:45
